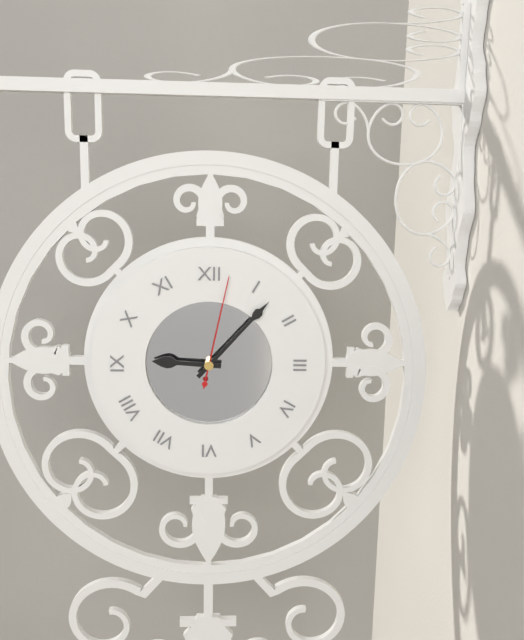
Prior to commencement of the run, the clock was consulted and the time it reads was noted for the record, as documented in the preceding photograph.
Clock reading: 9:07:02
